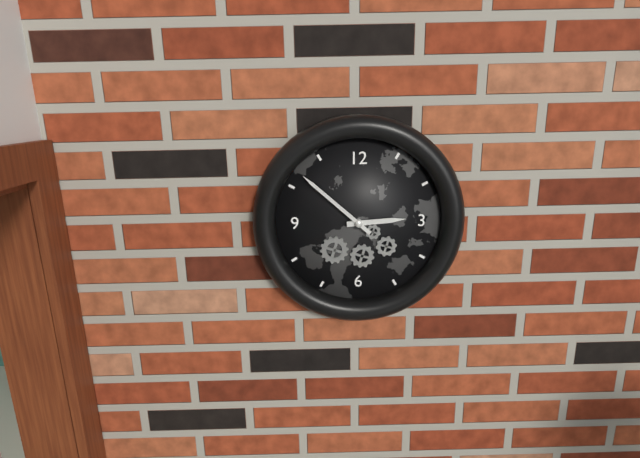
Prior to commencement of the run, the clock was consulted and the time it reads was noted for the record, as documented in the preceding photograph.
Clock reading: 2:52
